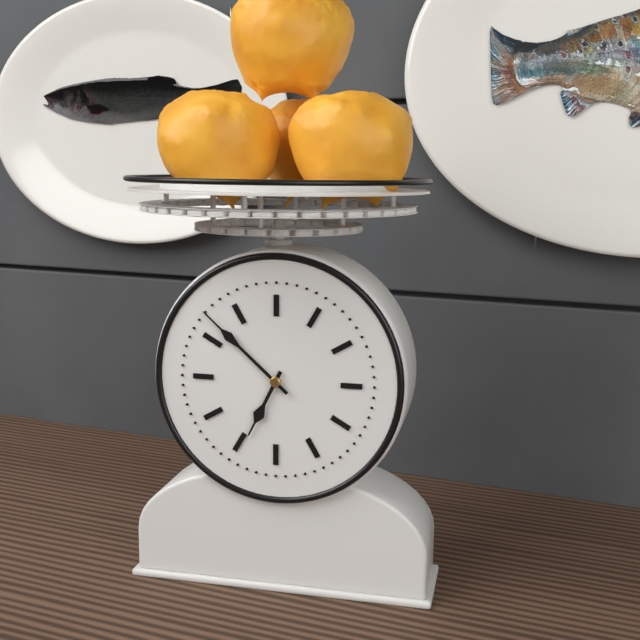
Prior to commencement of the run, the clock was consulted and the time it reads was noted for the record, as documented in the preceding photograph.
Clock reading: 6:52
